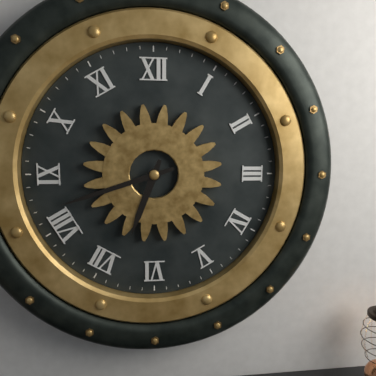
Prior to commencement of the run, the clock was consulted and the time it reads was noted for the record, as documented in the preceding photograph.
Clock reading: 6:42
